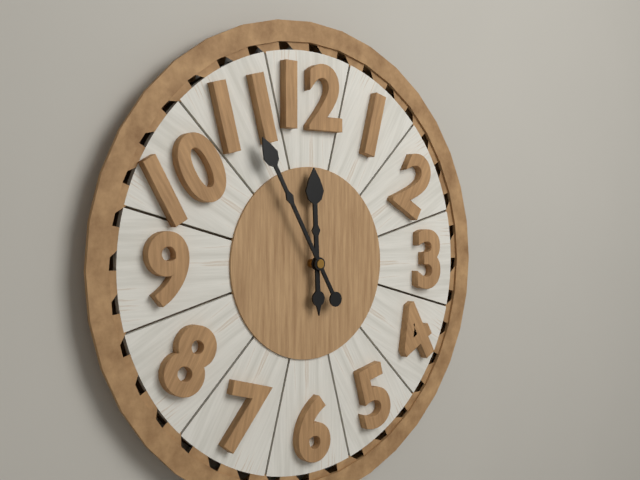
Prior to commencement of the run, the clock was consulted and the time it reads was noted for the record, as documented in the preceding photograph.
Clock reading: 11:55
